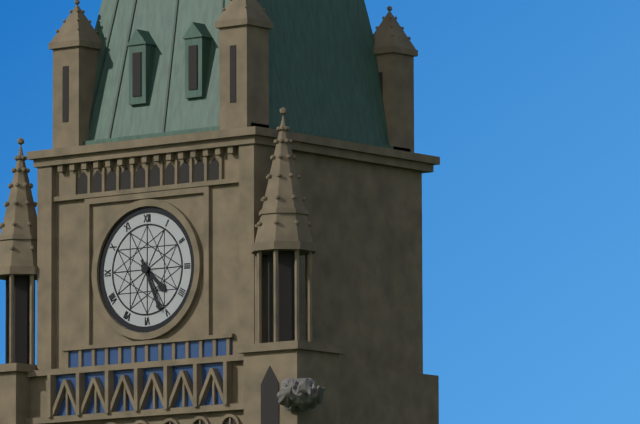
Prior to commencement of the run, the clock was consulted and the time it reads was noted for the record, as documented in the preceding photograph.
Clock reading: 4:26
